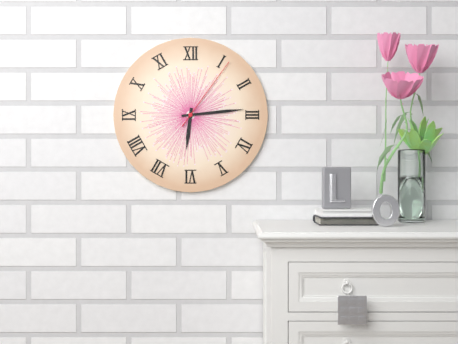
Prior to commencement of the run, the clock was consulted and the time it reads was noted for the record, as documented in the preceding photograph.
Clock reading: 6:14:06
